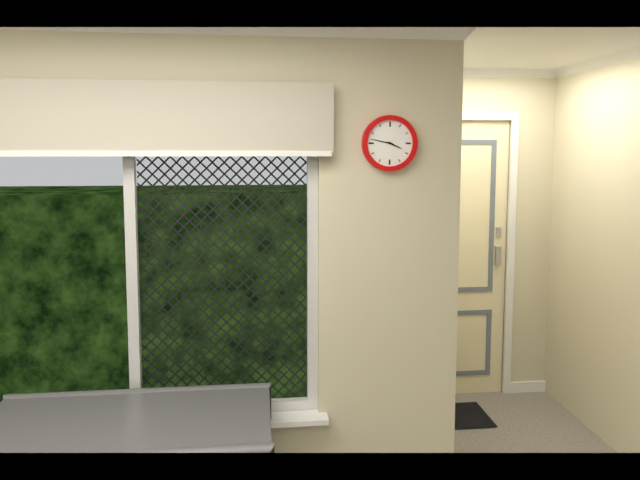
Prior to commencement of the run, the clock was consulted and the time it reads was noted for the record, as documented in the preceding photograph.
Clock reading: 3:47
